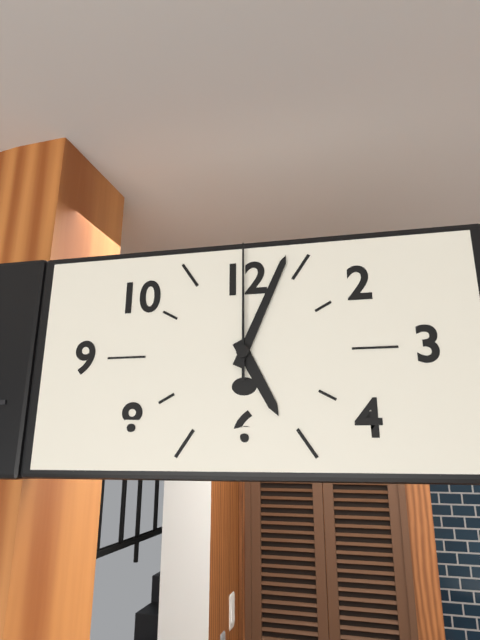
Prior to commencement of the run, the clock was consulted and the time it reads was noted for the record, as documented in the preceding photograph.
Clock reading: 5:04:00
